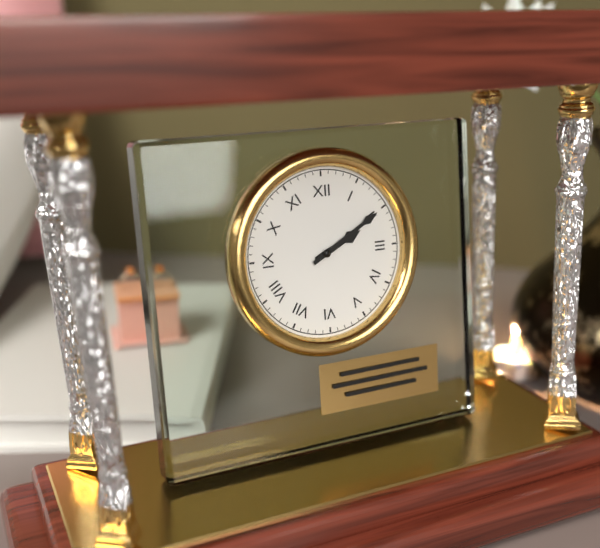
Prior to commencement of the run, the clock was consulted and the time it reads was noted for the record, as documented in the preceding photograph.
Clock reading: 2:10
